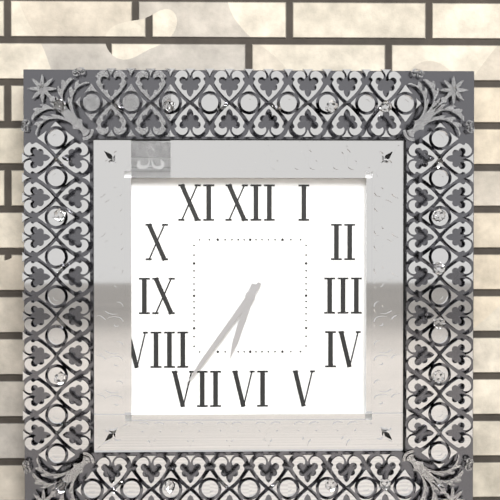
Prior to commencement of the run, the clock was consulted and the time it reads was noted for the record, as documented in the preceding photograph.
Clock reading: 6:36
